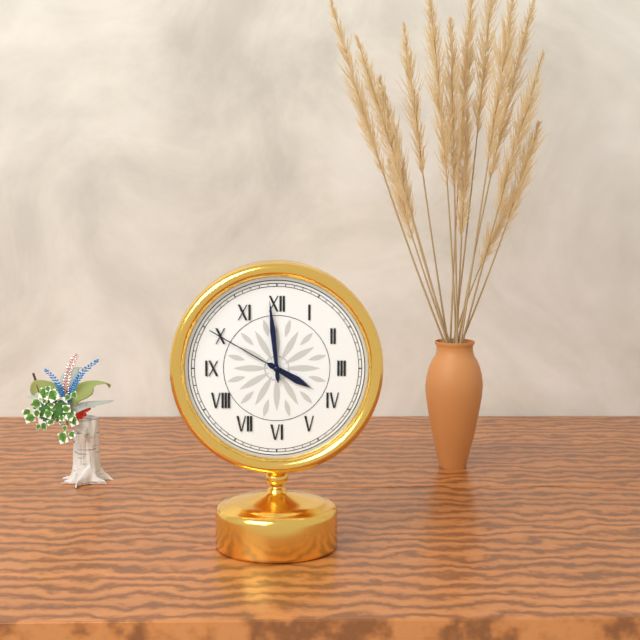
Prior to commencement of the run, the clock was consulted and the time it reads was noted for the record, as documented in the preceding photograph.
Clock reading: 3:59:50
